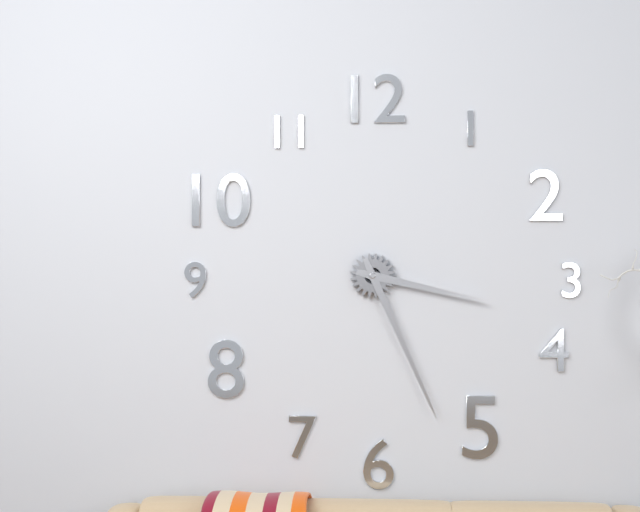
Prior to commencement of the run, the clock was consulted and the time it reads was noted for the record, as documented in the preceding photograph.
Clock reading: 3:26
